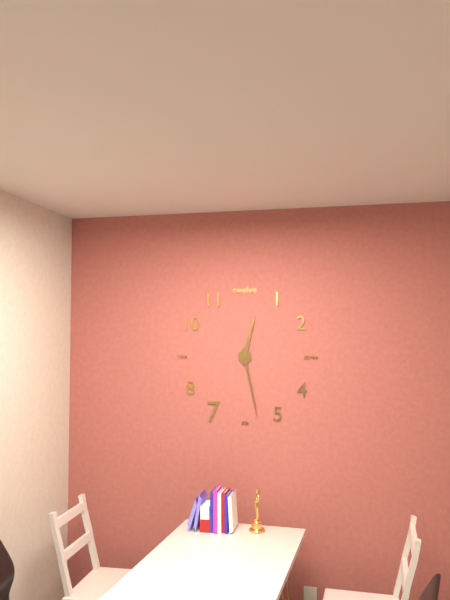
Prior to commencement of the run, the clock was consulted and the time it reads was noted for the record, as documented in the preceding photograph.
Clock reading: 12:28
